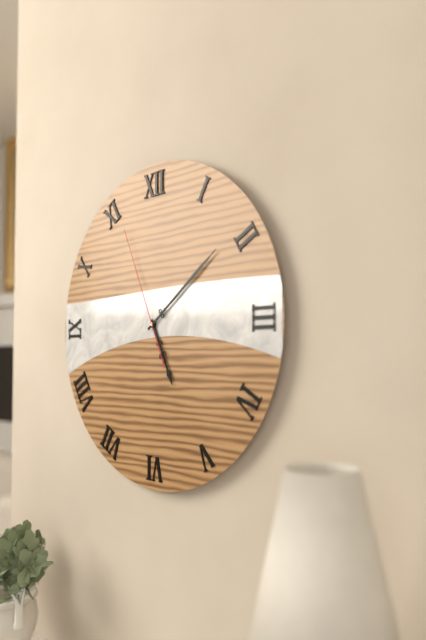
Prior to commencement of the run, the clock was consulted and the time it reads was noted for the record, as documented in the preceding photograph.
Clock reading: 5:09:56
